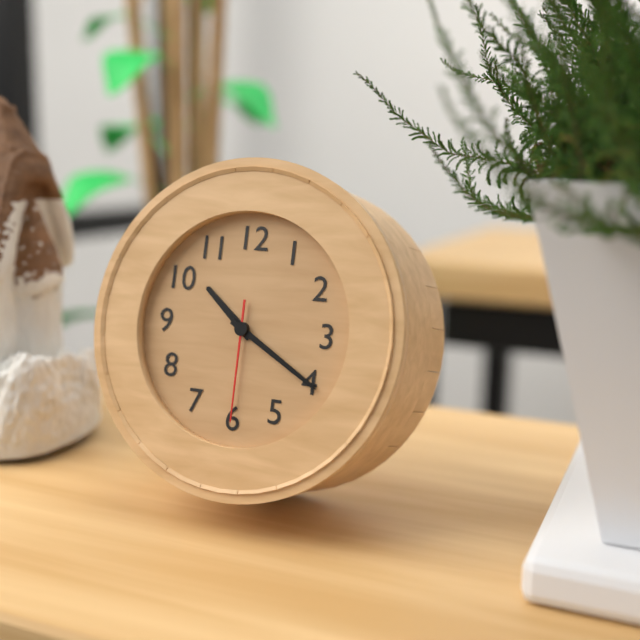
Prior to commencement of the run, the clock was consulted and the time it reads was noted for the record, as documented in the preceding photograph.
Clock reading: 10:20:30
